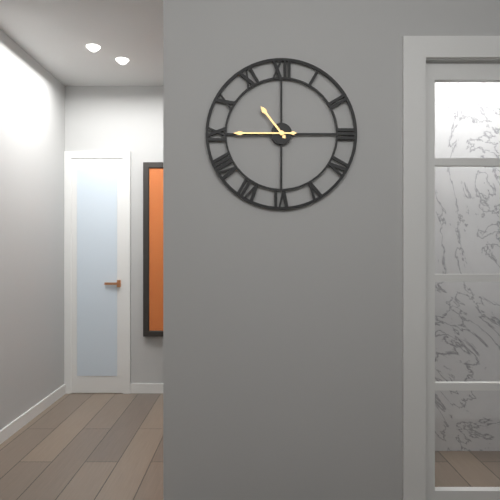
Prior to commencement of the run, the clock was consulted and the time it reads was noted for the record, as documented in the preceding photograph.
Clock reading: 10:45
